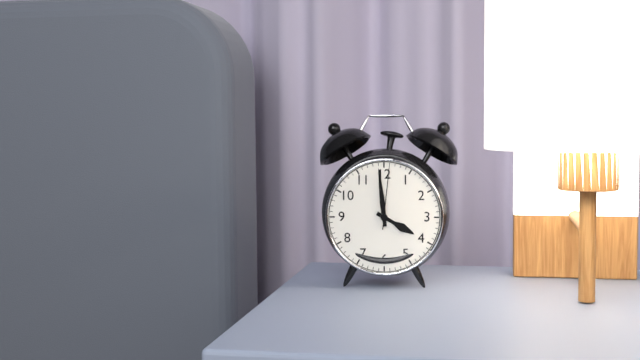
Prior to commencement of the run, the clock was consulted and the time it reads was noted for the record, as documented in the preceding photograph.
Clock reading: 3:59:01
